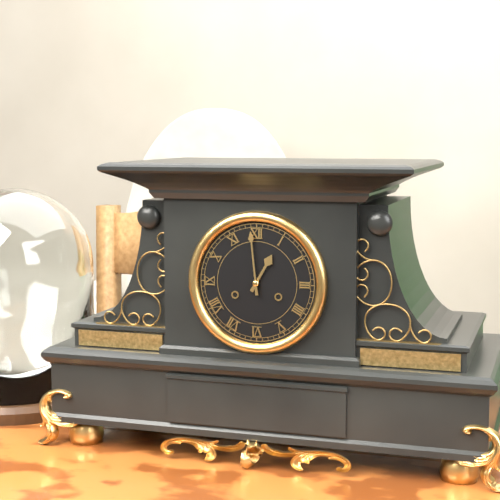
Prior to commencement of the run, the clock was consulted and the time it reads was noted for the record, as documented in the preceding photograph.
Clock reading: 12:59
